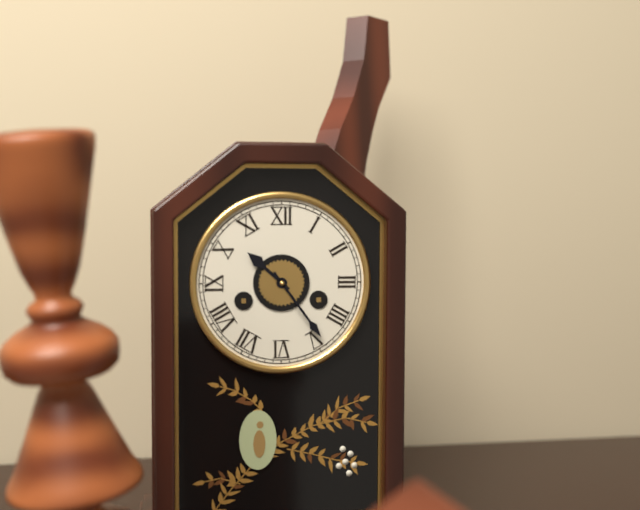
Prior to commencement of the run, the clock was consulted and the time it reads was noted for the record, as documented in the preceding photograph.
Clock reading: 10:24
